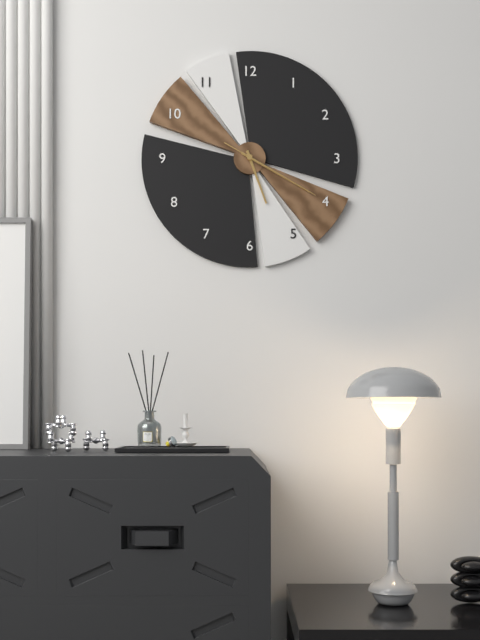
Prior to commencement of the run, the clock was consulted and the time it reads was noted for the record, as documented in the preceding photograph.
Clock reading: 5:20:20
